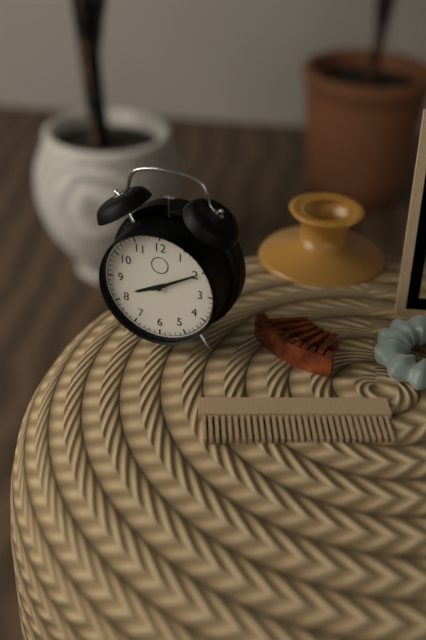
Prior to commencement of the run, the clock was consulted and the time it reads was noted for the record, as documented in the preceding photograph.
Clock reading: 8:10
